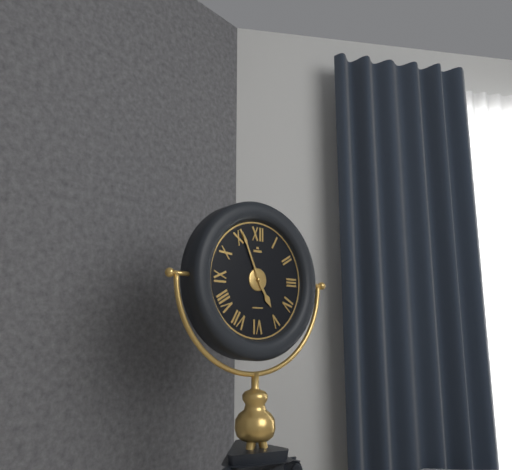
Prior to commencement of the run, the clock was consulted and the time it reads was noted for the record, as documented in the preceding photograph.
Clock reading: 4:56
